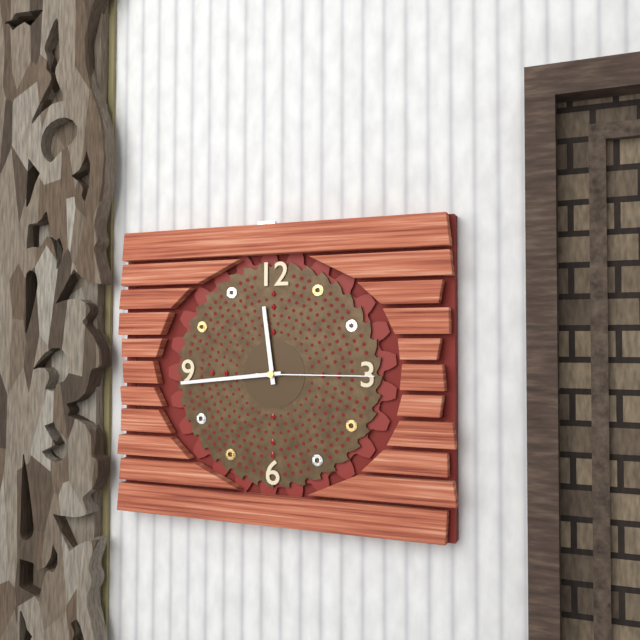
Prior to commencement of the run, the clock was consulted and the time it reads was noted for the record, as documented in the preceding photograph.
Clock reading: 11:44:15
